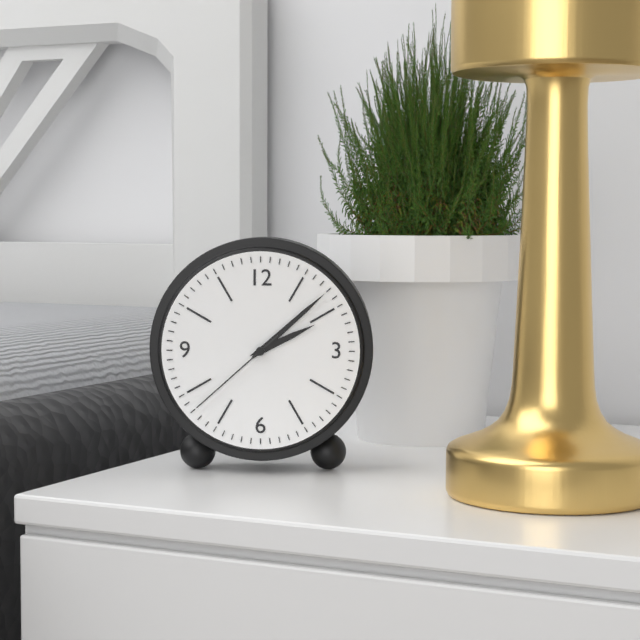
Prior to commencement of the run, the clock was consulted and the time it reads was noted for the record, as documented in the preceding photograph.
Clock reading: 2:08:38
